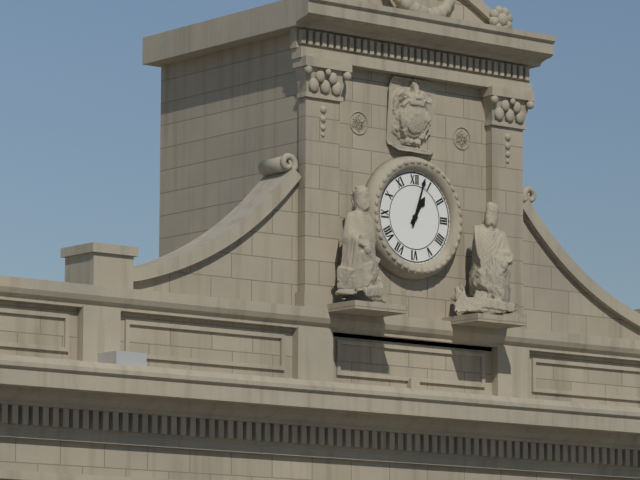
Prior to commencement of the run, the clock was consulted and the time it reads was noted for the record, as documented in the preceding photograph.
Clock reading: 1:03
